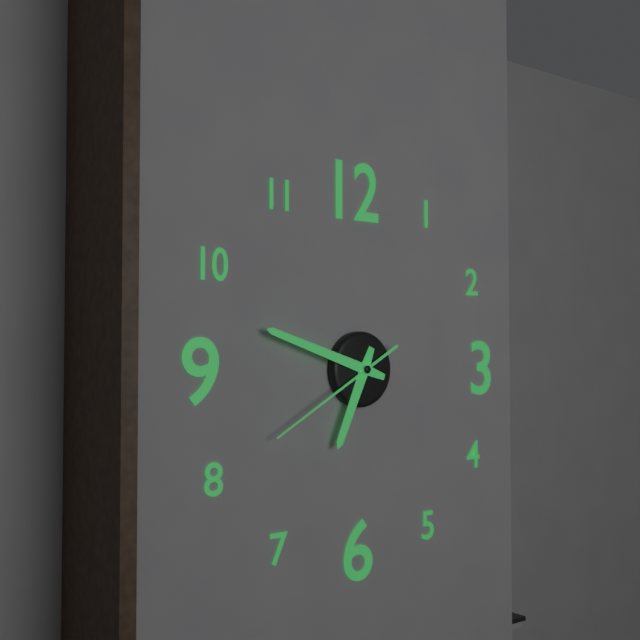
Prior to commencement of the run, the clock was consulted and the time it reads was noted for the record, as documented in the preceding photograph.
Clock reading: 6:48:40
